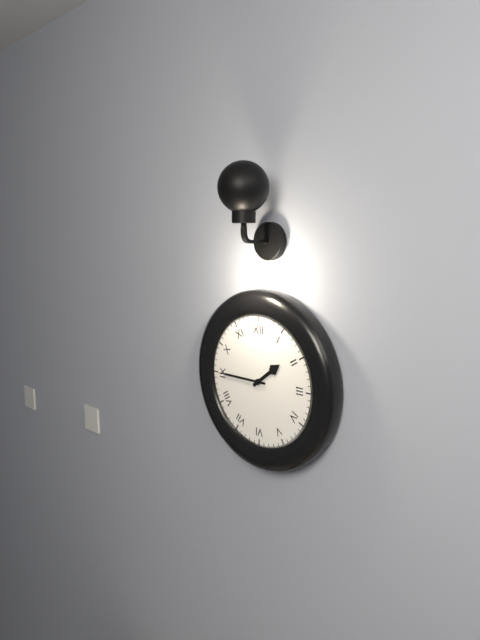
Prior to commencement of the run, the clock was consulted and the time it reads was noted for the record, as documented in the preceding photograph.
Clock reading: 1:45
